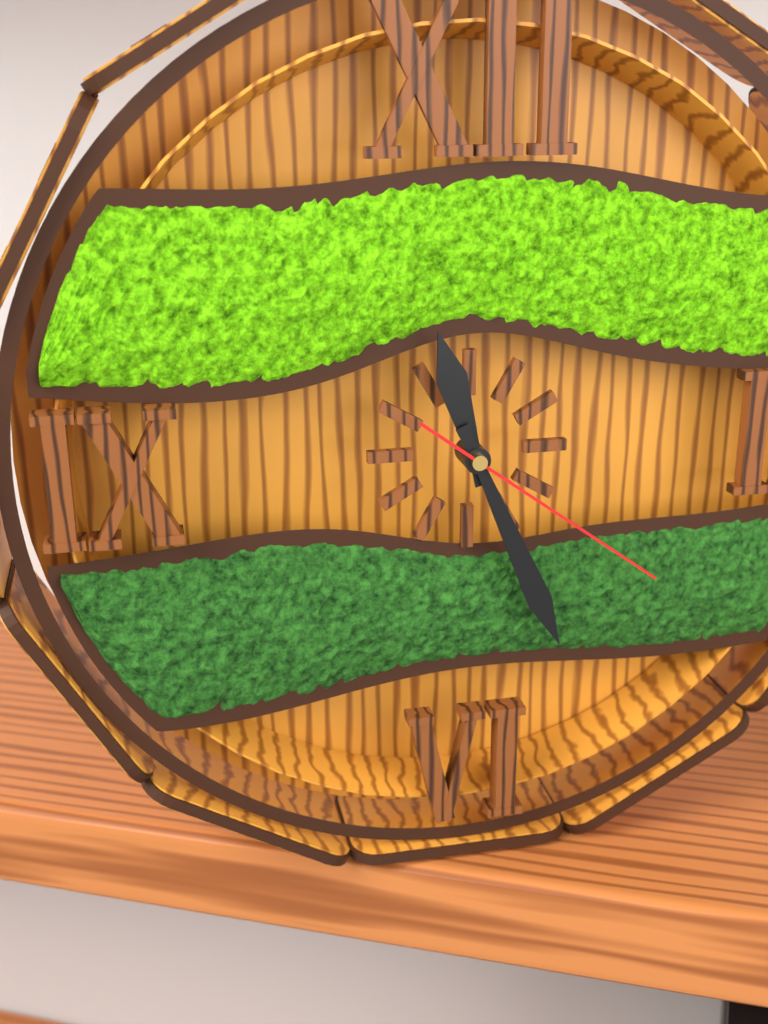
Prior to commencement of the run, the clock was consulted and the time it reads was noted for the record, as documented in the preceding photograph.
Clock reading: 11:26:21
